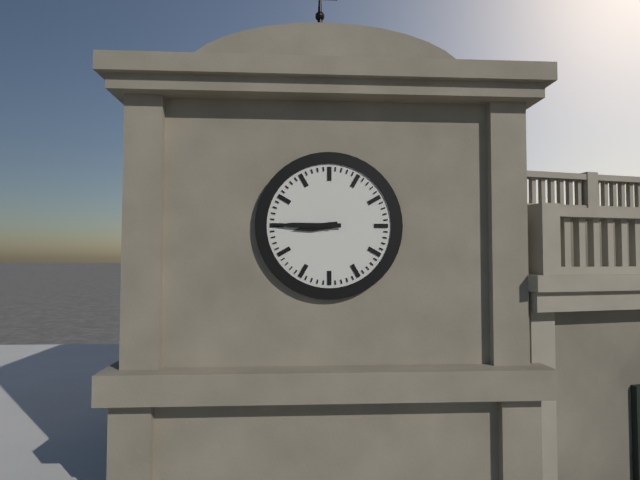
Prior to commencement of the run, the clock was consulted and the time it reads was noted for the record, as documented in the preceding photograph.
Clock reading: 8:45
